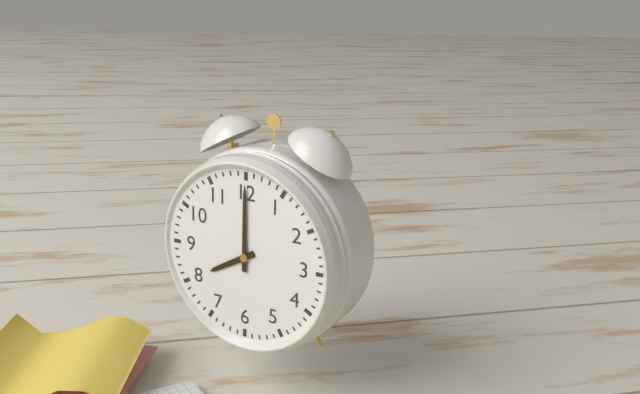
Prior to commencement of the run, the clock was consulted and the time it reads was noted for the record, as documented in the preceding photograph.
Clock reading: 8:00
